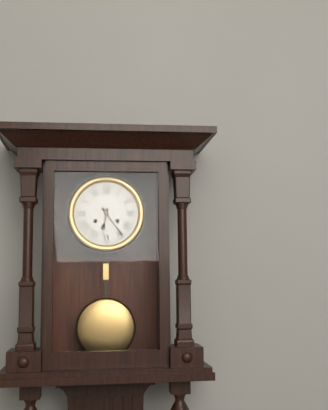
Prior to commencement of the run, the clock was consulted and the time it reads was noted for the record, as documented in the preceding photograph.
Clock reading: 6:24
